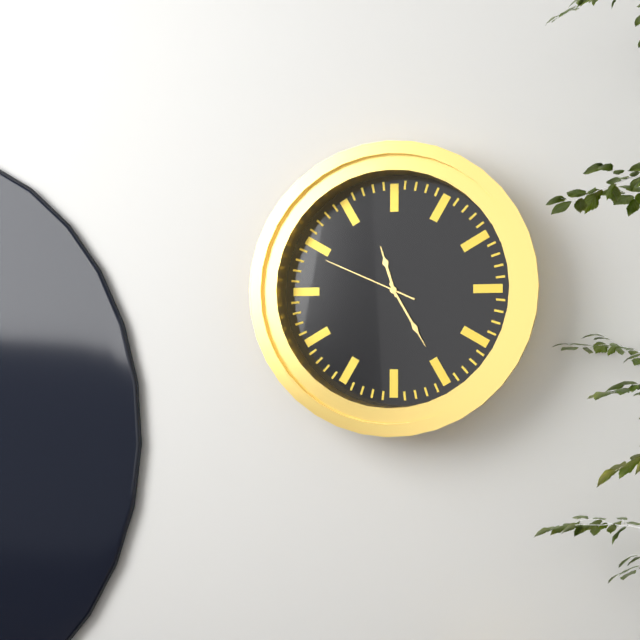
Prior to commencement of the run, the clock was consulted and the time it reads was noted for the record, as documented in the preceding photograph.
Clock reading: 11:25:49
